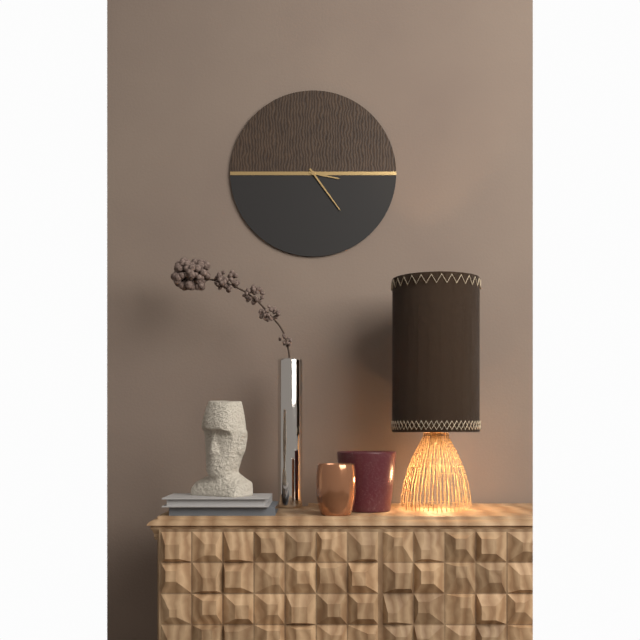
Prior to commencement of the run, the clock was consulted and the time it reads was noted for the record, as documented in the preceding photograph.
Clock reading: 3:24
